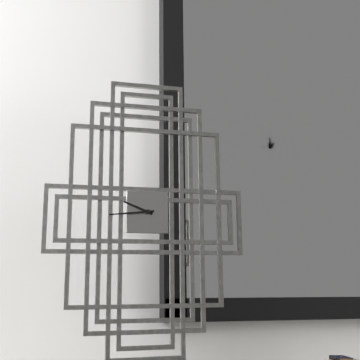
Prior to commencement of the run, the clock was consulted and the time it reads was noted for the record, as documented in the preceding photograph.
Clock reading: 9:44
